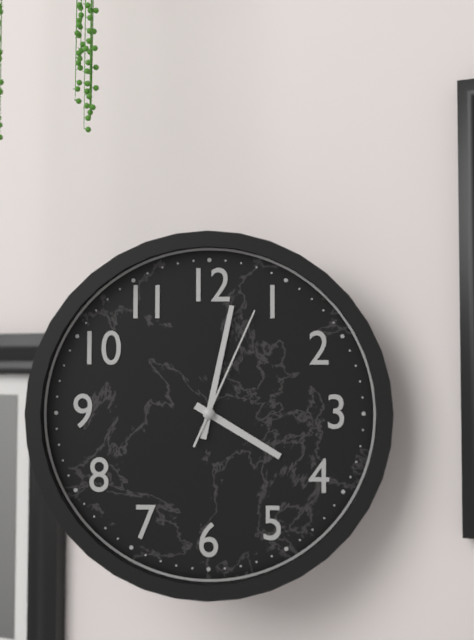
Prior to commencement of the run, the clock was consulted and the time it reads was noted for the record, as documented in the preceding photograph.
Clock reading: 4:02:04
